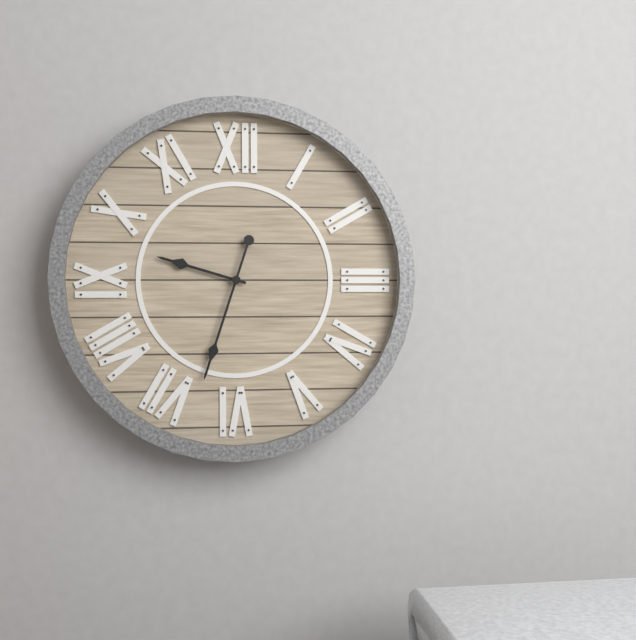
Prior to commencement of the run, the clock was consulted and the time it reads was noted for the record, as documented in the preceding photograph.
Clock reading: 9:33
